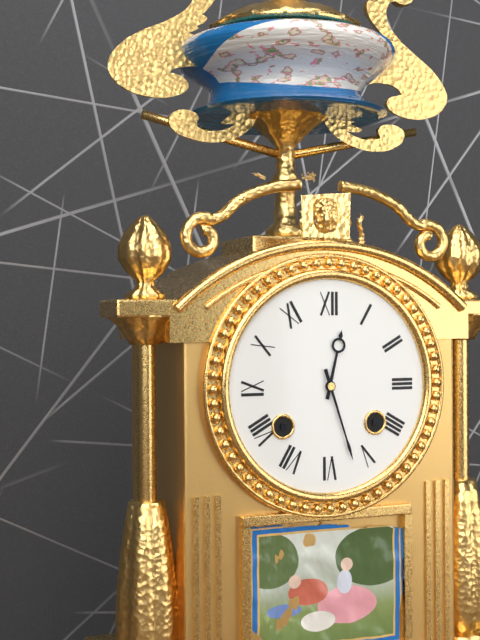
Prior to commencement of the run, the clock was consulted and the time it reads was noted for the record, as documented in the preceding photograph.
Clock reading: 12:27
